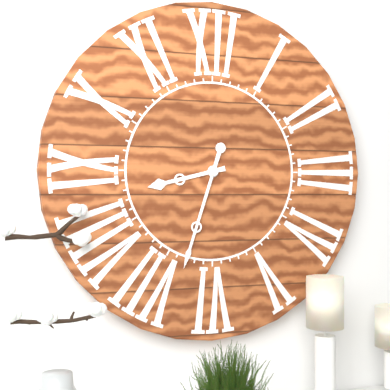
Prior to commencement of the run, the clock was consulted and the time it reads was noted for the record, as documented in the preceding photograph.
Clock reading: 8:33
